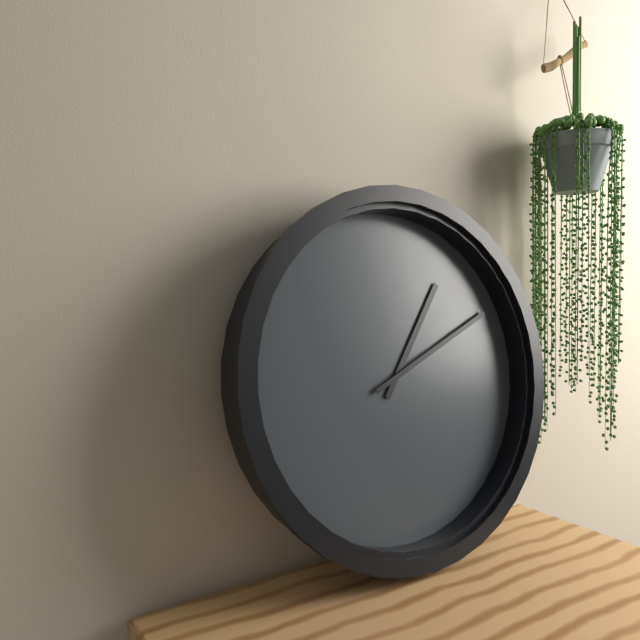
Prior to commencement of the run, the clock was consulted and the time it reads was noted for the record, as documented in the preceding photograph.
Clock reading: 1:11
